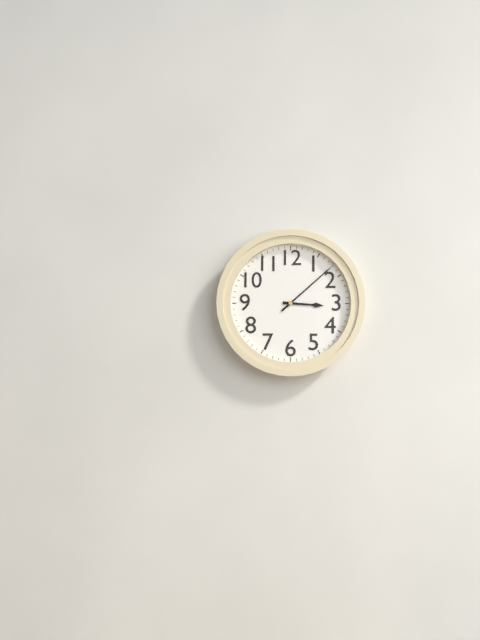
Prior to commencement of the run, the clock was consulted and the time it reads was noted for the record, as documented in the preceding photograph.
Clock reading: 3:08
